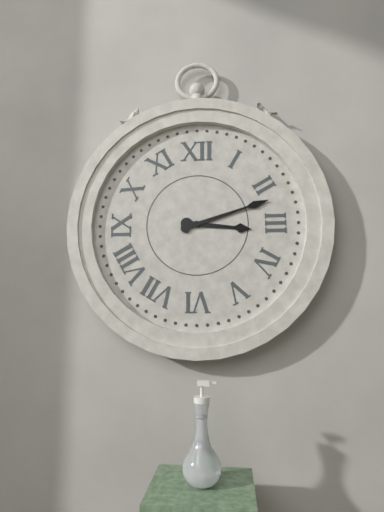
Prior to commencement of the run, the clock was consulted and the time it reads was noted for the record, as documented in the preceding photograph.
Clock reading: 3:12
